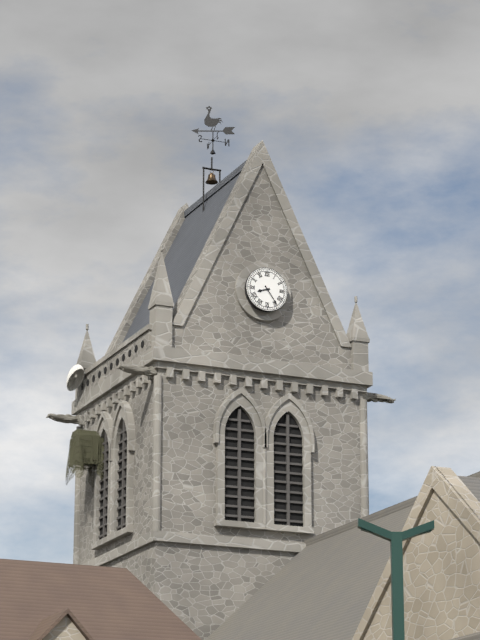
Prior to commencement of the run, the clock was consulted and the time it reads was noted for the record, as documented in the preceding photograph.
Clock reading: 8:24
